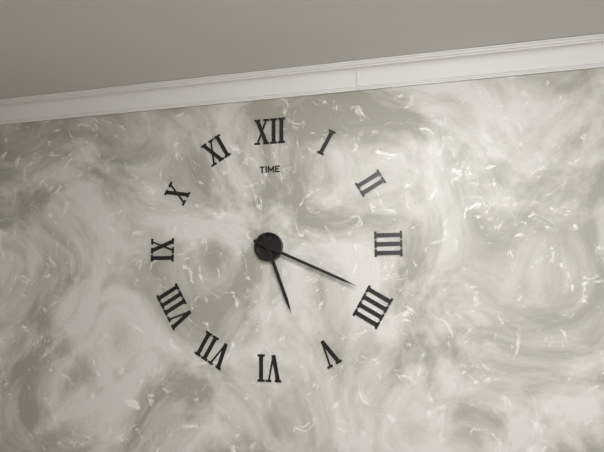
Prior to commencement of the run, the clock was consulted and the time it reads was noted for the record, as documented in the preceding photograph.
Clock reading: 5:19
